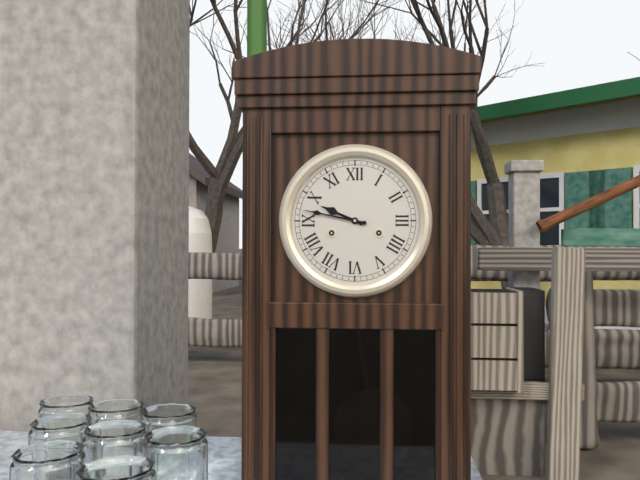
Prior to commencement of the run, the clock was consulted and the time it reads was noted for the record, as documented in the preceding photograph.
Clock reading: 9:47
